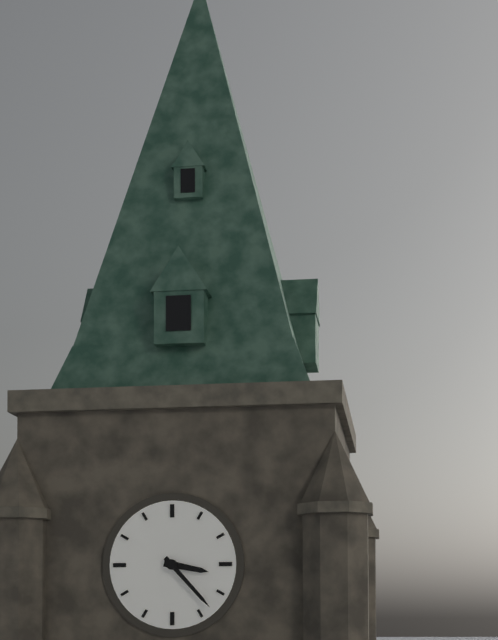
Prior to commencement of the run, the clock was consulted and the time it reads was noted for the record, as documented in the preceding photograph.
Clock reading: 3:23
